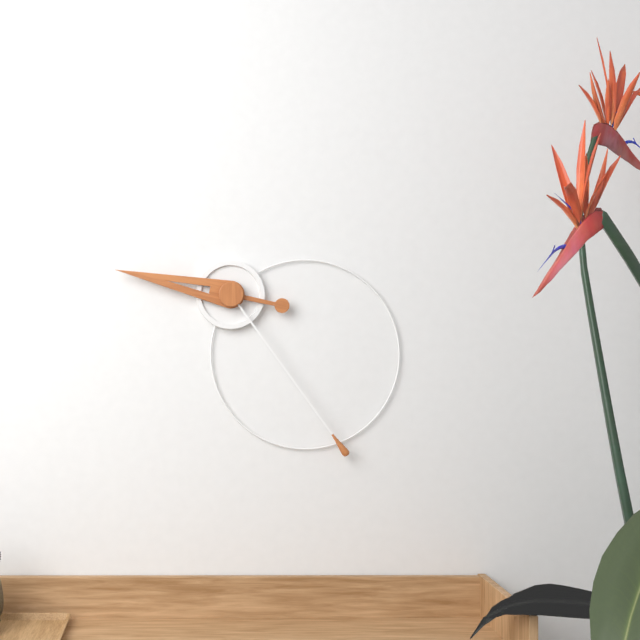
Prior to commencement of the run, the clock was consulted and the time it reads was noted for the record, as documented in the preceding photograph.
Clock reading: 9:24
